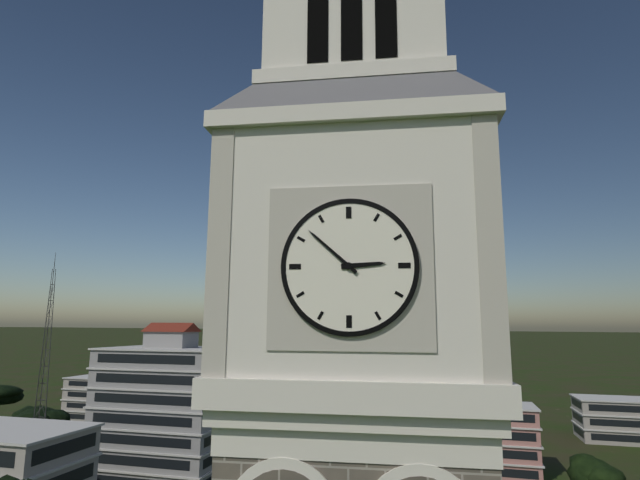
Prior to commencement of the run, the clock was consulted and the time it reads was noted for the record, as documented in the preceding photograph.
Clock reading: 2:52
